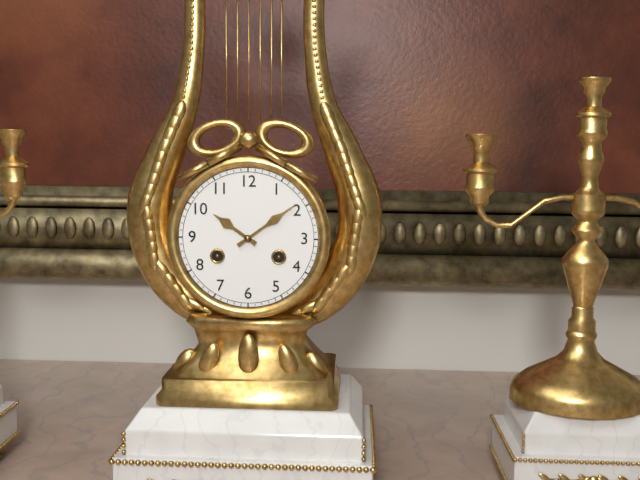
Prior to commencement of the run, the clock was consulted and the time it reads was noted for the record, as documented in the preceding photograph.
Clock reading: 10:09
